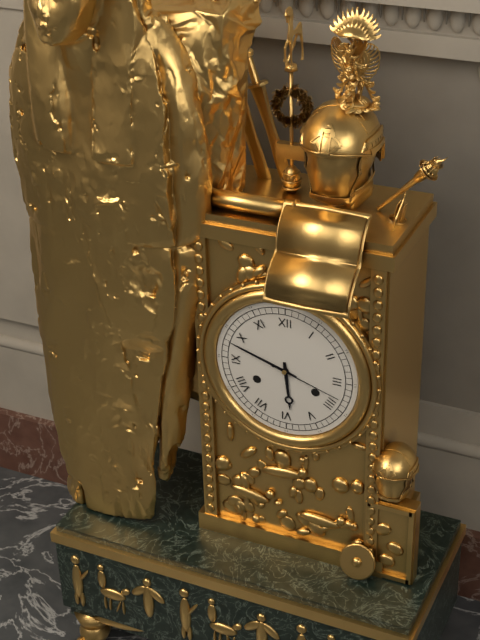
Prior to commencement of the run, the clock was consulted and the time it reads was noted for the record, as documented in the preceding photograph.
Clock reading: 5:48:18
